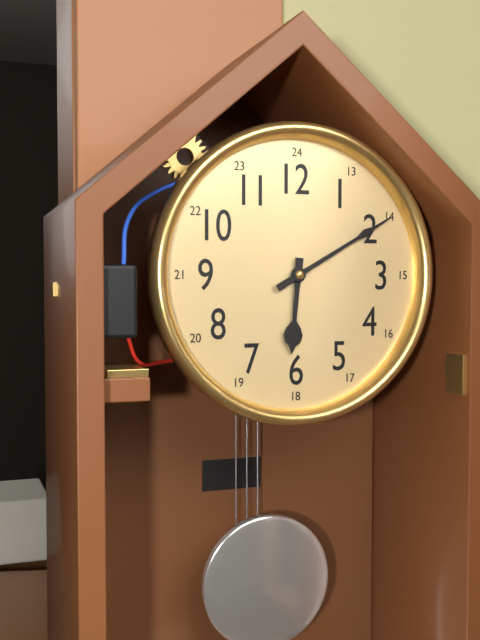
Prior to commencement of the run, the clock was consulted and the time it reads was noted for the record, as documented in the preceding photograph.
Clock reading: 6:10
